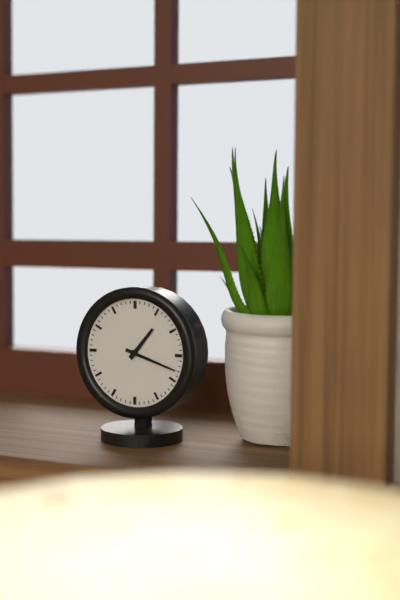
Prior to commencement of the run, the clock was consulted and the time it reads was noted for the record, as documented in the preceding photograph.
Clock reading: 1:18
